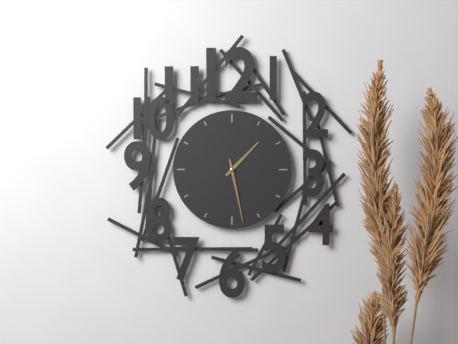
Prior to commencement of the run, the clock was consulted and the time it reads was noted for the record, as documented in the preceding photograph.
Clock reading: 1:28
